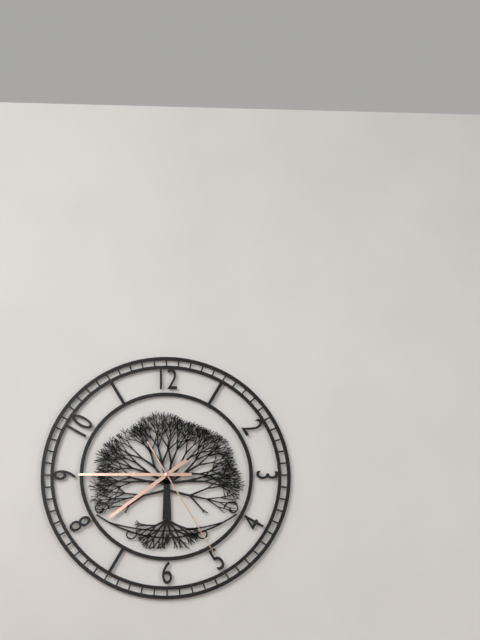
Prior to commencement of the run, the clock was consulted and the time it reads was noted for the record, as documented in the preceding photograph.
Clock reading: 7:45:25
